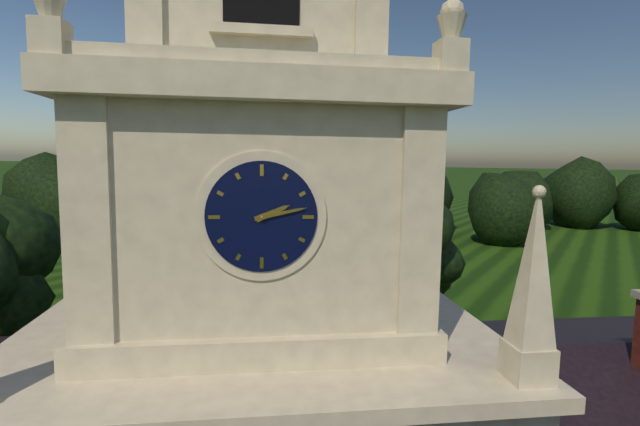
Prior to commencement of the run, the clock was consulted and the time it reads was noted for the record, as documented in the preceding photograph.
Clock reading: 2:13
